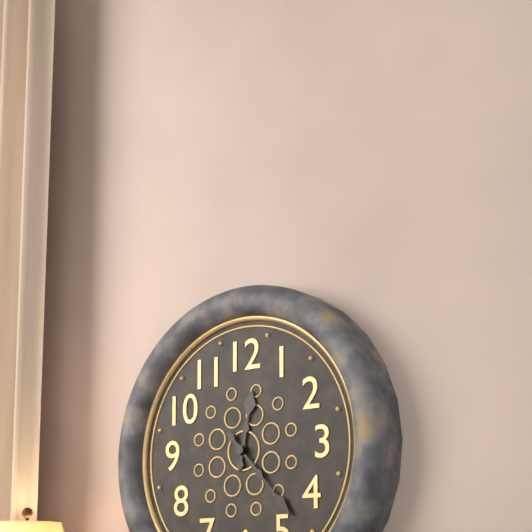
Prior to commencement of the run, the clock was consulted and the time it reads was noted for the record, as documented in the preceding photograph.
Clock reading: 12:23
